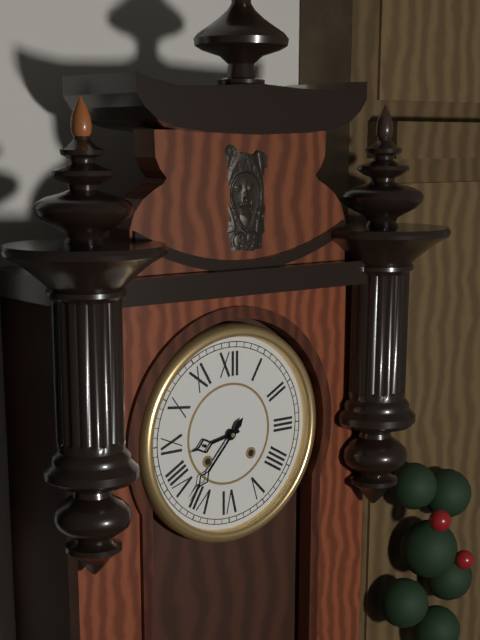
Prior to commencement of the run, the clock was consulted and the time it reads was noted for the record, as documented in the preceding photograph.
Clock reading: 8:37
